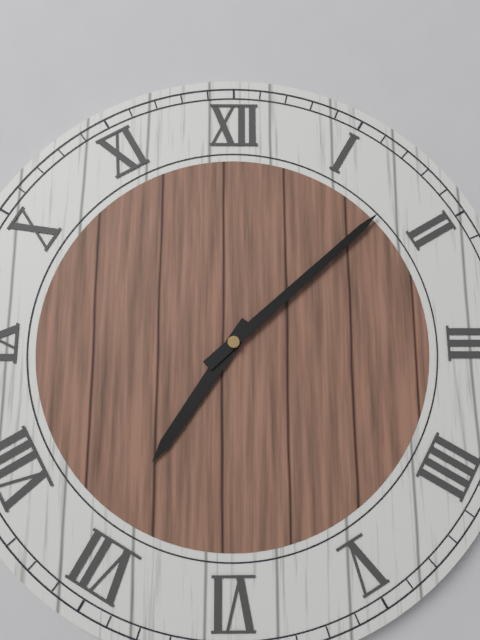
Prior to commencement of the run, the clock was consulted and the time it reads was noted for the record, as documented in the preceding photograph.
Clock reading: 7:08
